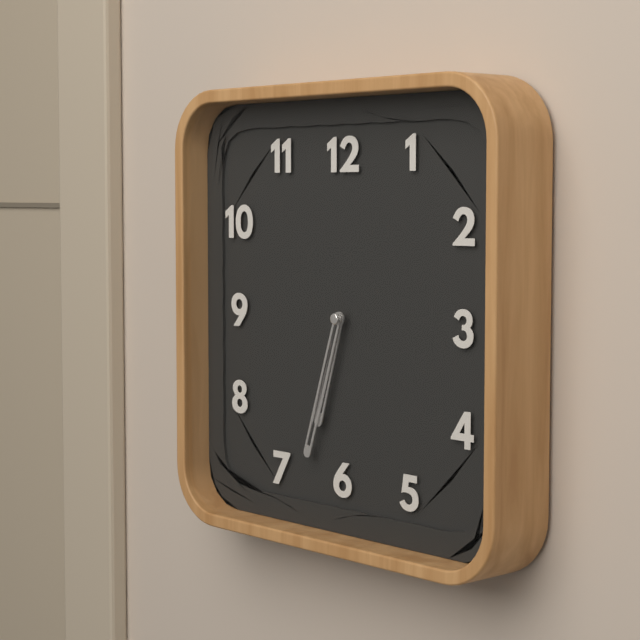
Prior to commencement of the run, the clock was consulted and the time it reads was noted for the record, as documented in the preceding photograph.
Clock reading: 6:33
